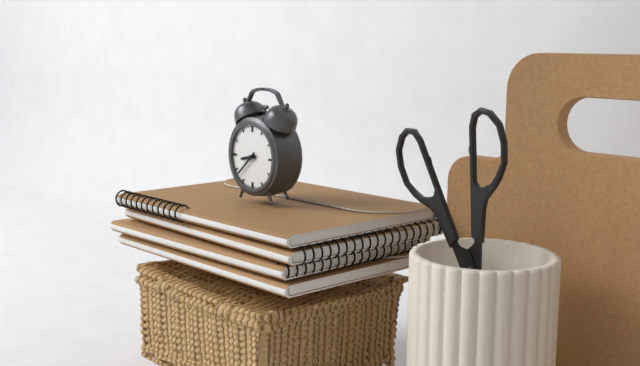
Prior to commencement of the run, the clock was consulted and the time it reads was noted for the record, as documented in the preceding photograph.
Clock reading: 8:38
